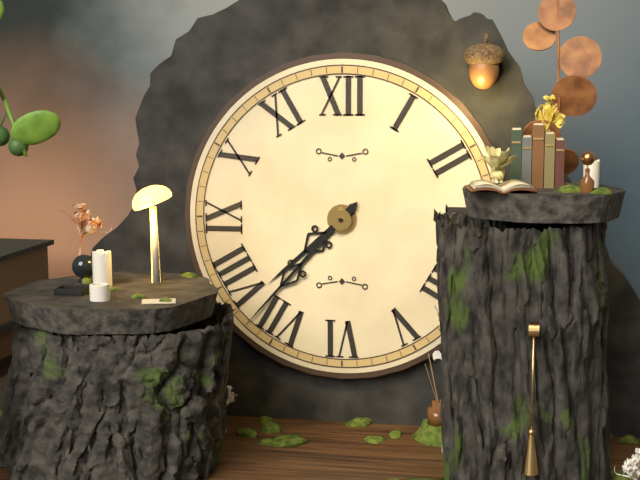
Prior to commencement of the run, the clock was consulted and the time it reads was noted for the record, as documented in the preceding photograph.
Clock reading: 7:37
